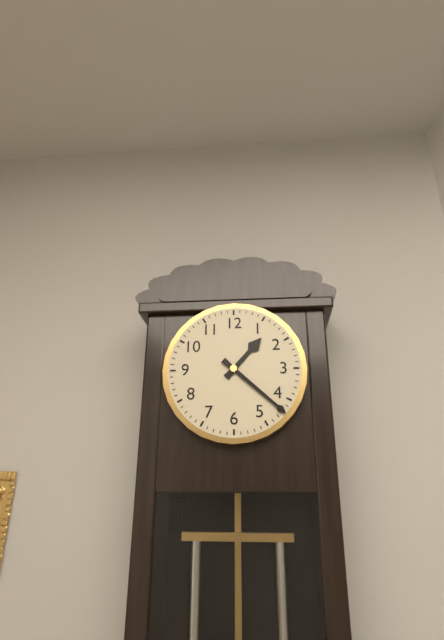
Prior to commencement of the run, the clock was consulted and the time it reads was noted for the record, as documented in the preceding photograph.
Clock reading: 1:22
